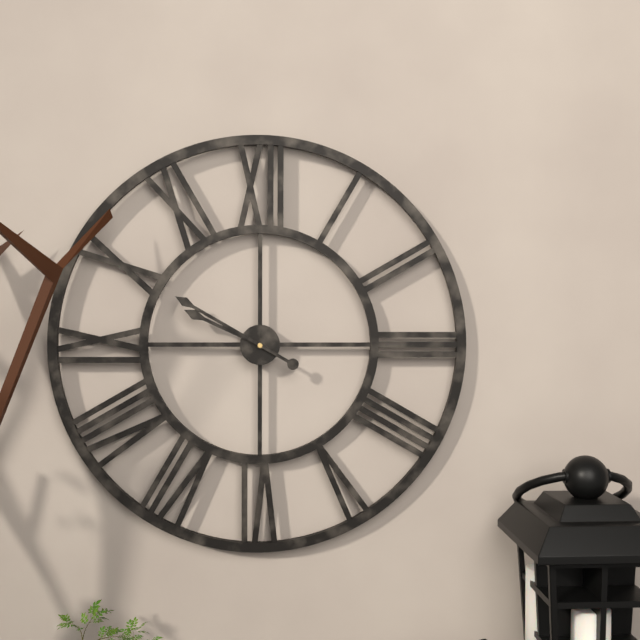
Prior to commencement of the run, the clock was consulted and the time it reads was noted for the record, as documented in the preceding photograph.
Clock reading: 9:50
